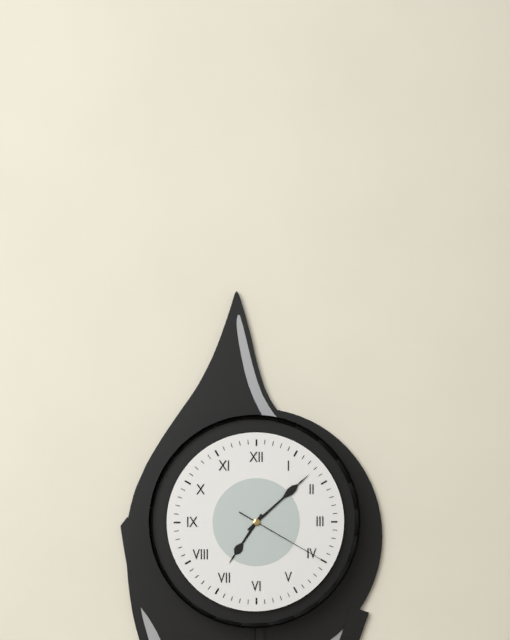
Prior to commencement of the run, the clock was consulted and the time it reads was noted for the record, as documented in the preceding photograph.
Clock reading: 7:08:20
